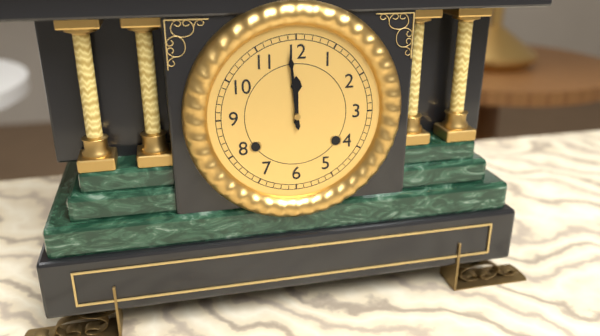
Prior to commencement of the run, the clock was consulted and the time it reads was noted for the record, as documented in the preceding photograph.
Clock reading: 11:59
